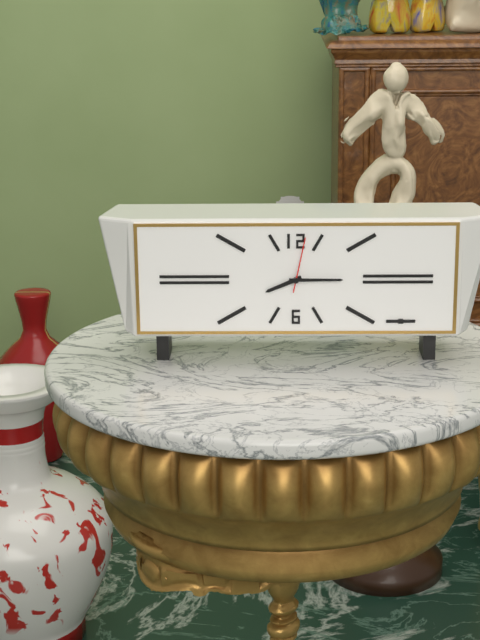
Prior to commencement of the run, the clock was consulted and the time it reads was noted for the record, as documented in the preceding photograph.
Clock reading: 8:15:02
